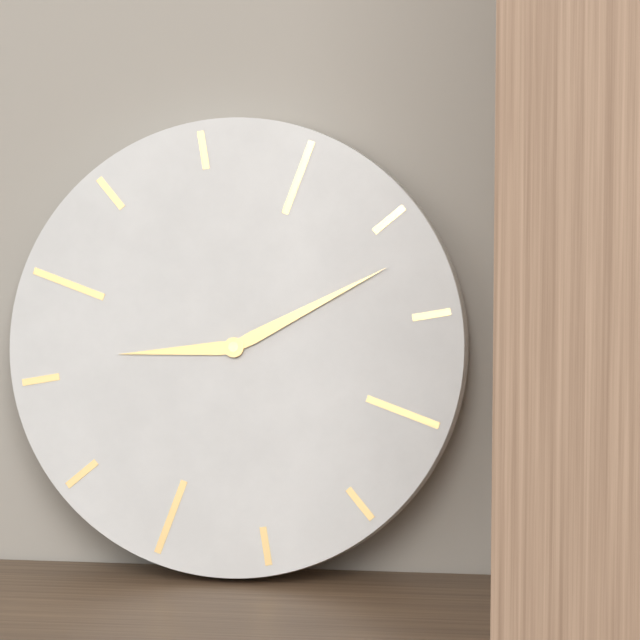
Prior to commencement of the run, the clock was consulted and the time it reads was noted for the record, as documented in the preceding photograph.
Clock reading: 9:12
